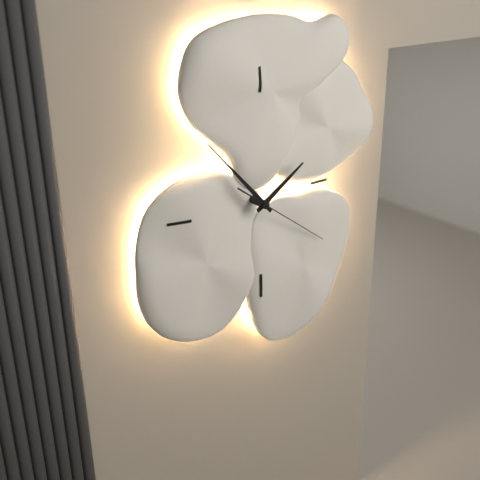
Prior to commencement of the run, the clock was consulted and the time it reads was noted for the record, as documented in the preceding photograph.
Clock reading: 1:53:21
